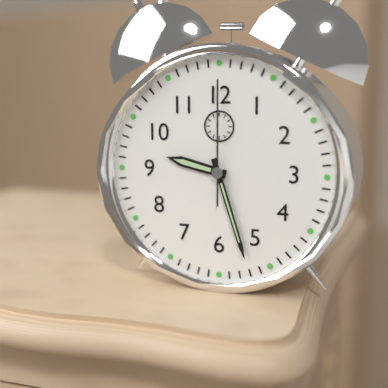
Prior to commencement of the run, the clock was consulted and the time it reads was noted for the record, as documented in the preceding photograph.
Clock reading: 9:27:00
